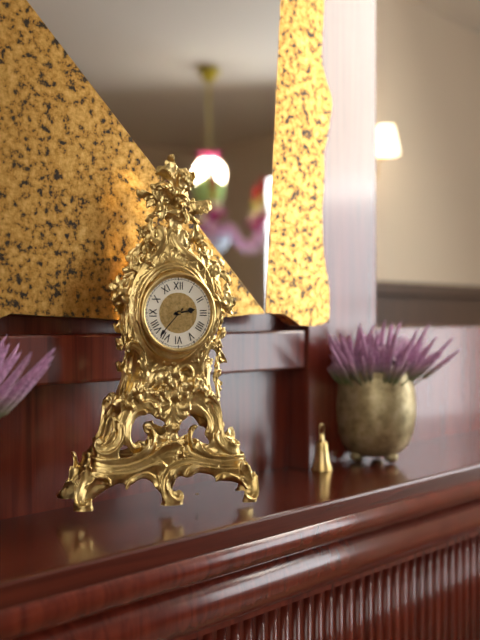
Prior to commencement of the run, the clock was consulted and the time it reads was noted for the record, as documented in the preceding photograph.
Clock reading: 2:37
